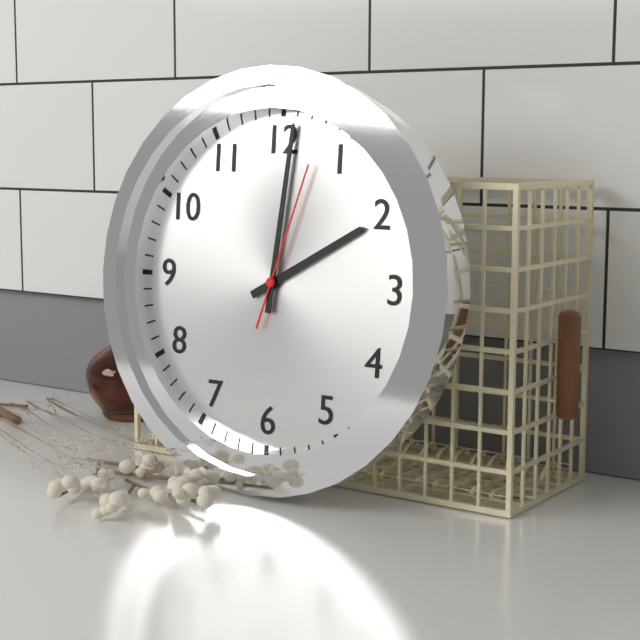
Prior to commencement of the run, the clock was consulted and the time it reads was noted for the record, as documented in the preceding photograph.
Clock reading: 2:01:03
